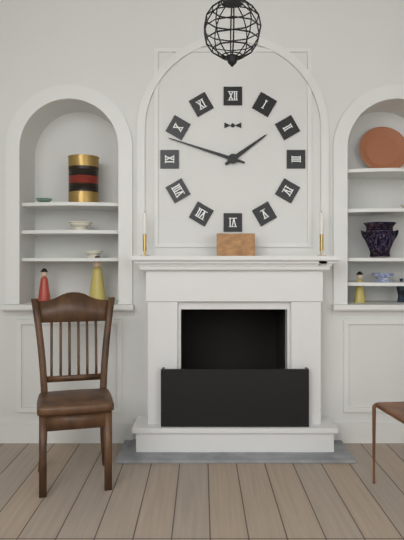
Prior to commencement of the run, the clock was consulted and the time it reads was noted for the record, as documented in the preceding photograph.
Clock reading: 1:48
